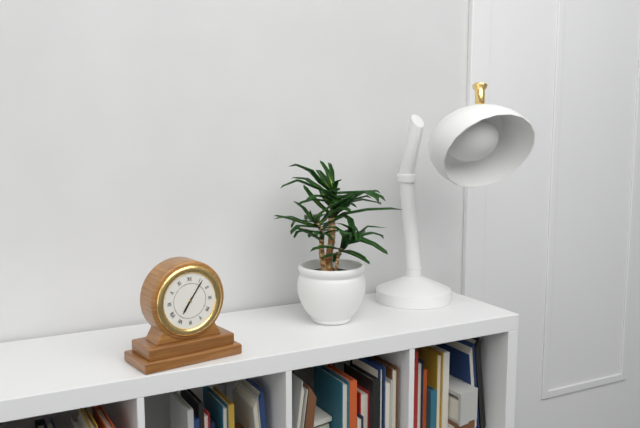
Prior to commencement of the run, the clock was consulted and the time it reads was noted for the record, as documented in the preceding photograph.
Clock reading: 7:06
